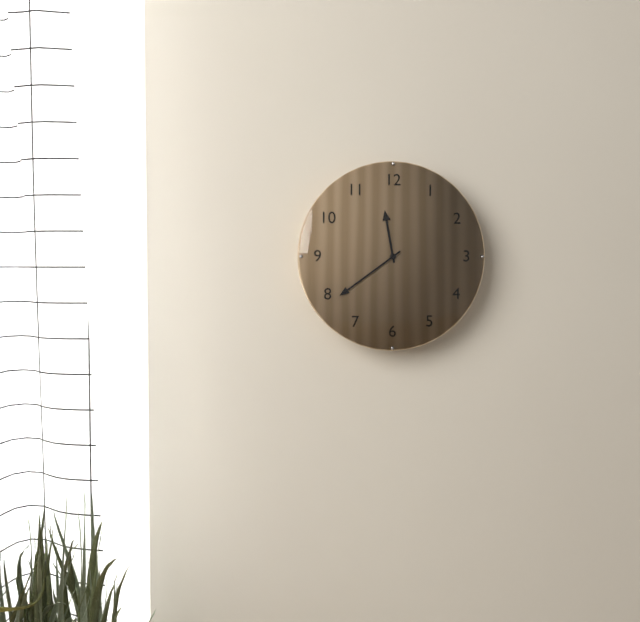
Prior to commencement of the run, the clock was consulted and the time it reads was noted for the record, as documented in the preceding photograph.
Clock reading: 11:39
